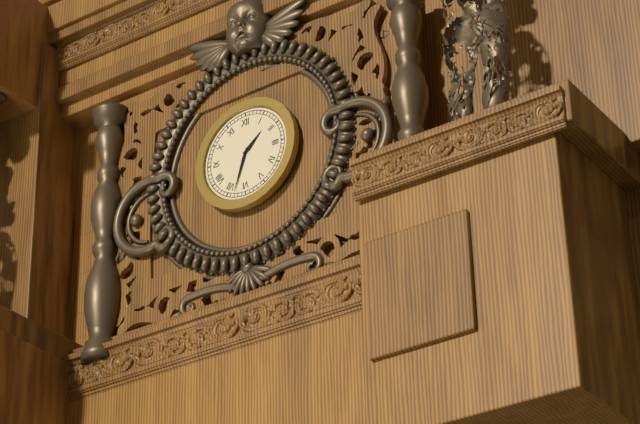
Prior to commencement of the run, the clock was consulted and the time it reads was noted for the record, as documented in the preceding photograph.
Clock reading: 1:33
